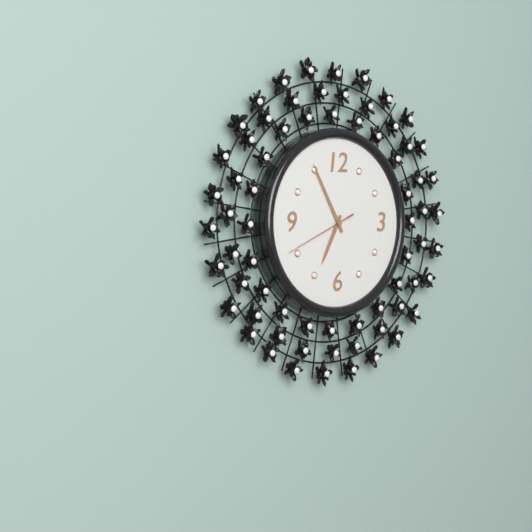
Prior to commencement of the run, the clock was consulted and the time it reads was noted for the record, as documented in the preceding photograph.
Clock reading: 6:55:41
